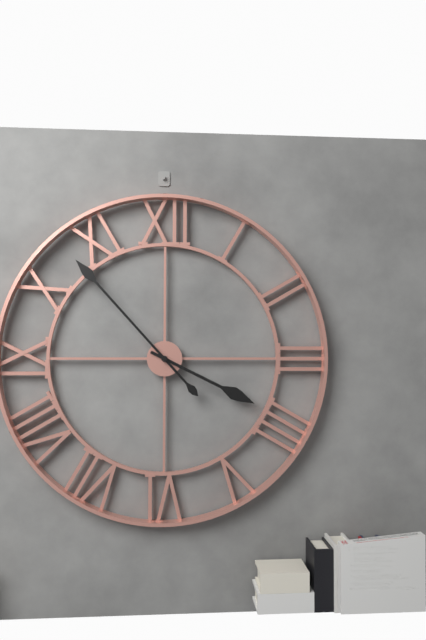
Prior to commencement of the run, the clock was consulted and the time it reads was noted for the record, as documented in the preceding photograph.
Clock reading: 3:53
